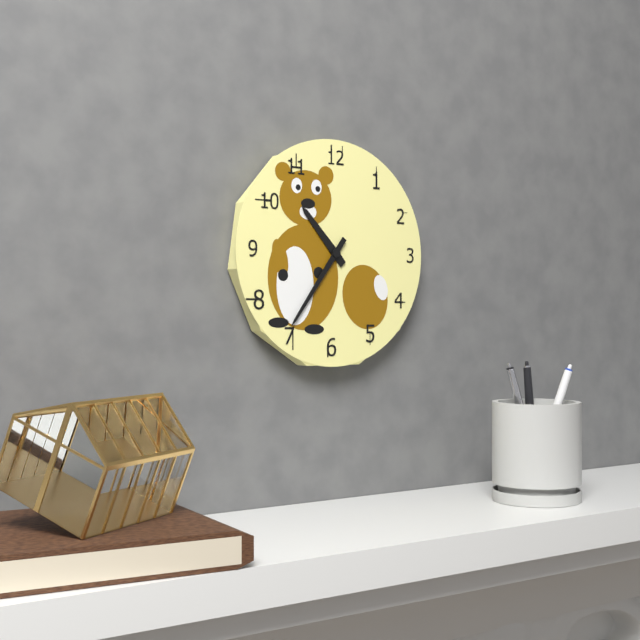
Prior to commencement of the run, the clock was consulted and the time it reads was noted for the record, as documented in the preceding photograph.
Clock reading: 10:36
